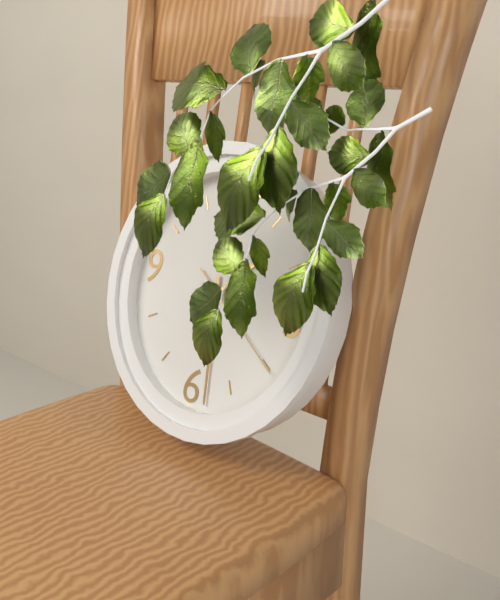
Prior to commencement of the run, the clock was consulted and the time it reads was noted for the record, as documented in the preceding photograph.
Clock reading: 1:28:20
